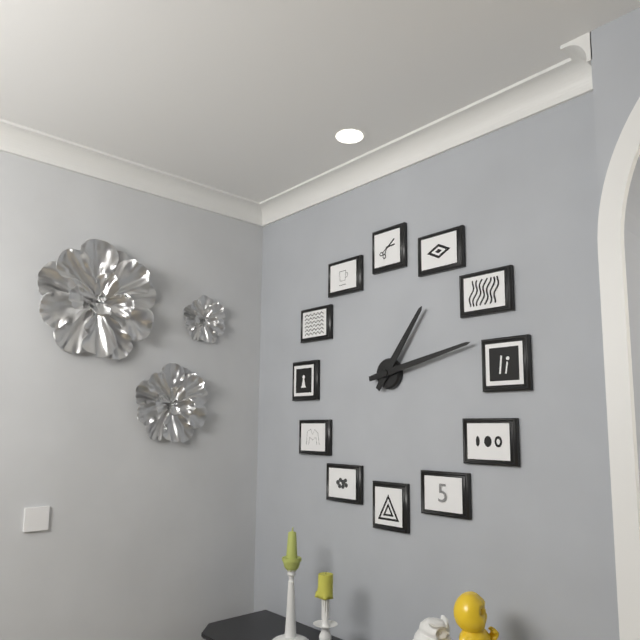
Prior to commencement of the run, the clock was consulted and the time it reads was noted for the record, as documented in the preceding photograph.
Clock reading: 1:13
